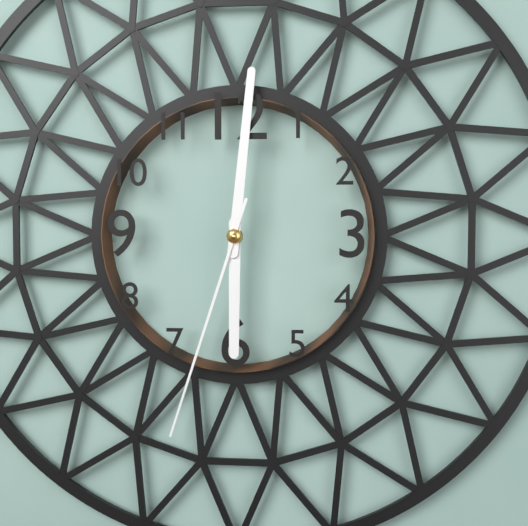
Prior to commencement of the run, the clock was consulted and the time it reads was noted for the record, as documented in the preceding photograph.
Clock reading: 6:01:33
